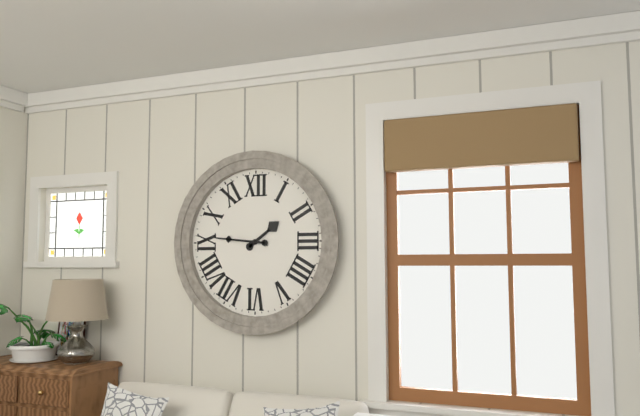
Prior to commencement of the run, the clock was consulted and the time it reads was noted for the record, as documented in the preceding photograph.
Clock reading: 1:46
